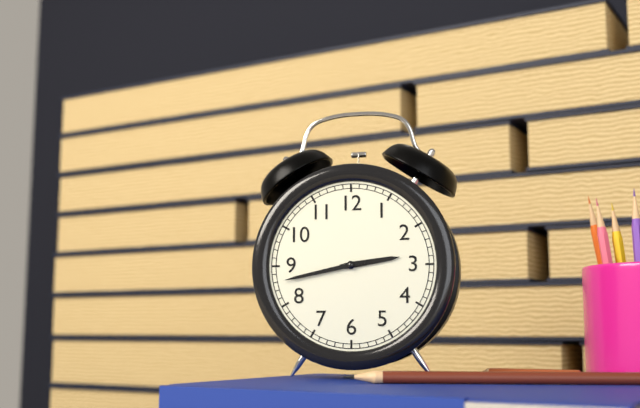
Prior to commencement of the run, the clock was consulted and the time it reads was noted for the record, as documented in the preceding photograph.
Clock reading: 2:43
